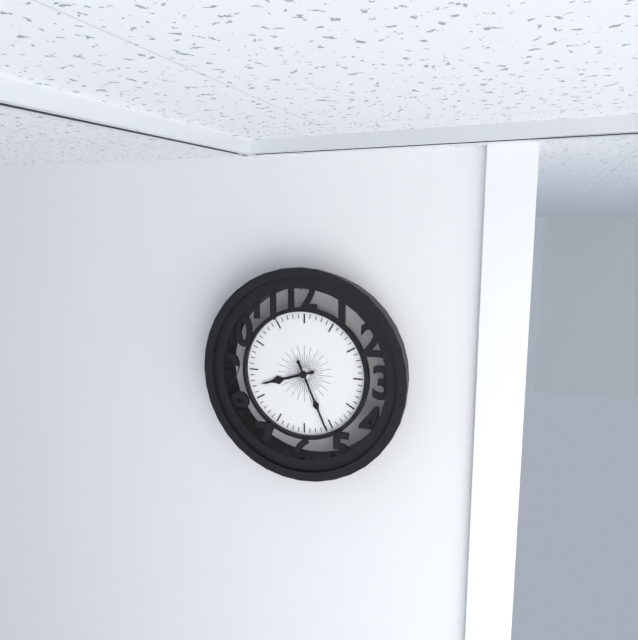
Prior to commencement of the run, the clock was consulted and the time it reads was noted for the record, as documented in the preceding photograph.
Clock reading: 8:26
